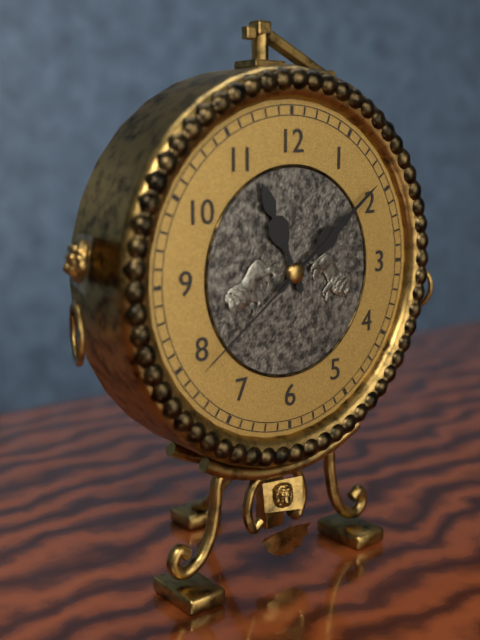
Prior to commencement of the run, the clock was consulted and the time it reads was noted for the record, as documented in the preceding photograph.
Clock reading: 11:09:39
